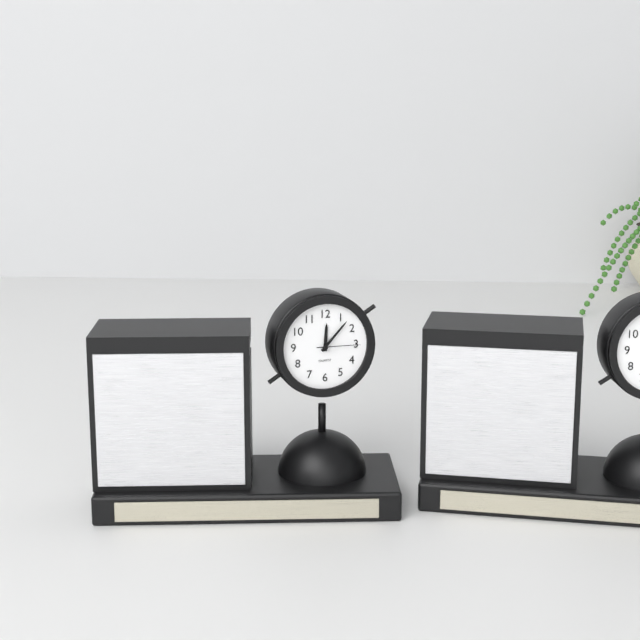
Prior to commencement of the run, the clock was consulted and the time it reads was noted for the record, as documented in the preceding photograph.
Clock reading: 12:07
